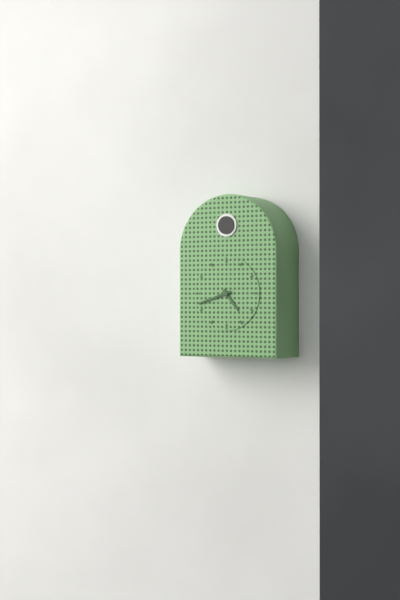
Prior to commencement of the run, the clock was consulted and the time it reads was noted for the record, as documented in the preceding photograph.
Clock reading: 4:42
